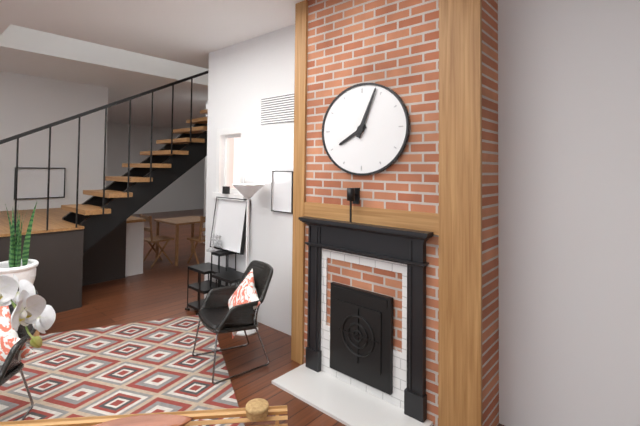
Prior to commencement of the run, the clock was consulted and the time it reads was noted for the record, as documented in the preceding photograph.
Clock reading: 8:04
